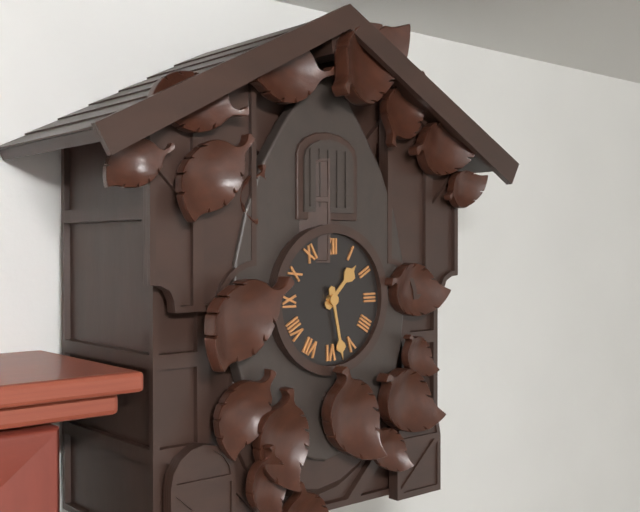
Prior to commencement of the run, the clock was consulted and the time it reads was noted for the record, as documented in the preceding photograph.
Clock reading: 1:28
